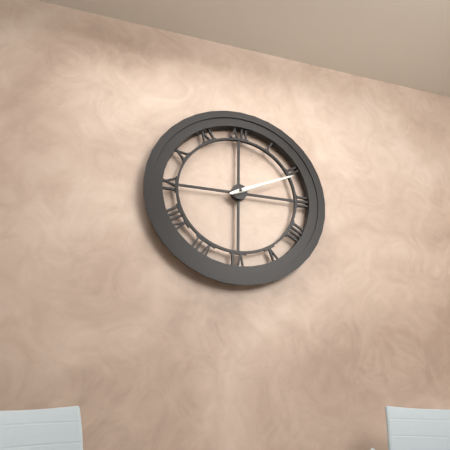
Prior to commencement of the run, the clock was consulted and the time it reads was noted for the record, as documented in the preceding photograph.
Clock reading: 2:11
